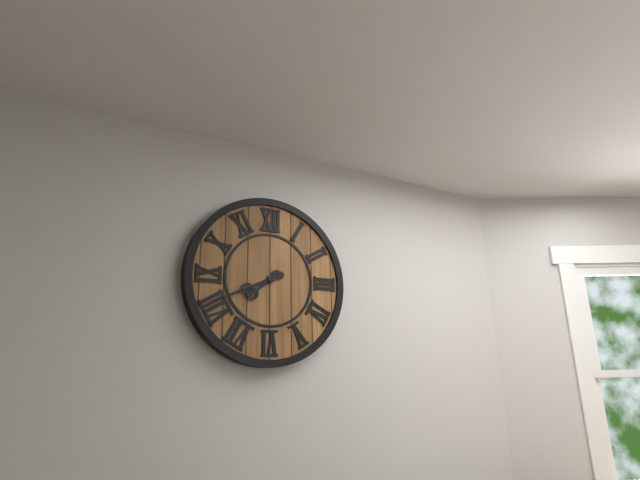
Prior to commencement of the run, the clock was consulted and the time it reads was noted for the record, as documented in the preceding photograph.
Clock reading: 7:41
